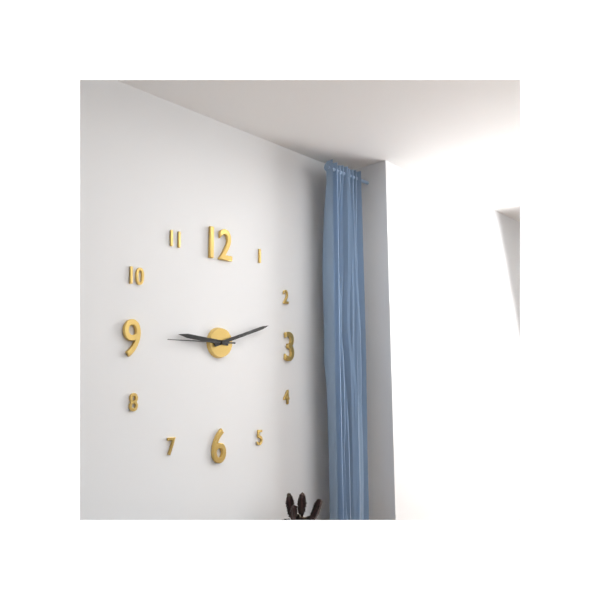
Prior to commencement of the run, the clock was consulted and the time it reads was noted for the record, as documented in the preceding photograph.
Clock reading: 9:12:45
